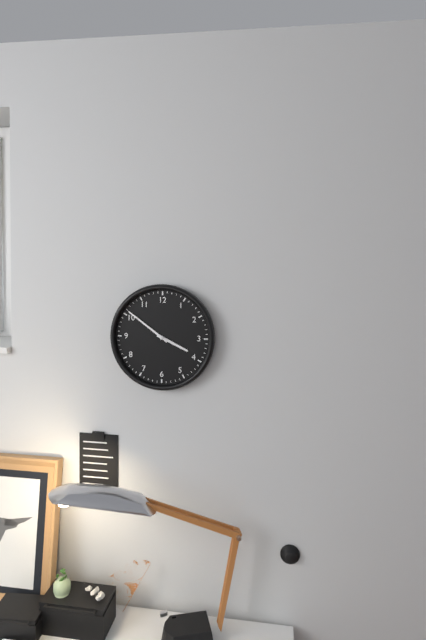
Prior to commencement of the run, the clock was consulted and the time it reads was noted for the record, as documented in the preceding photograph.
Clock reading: 3:51
